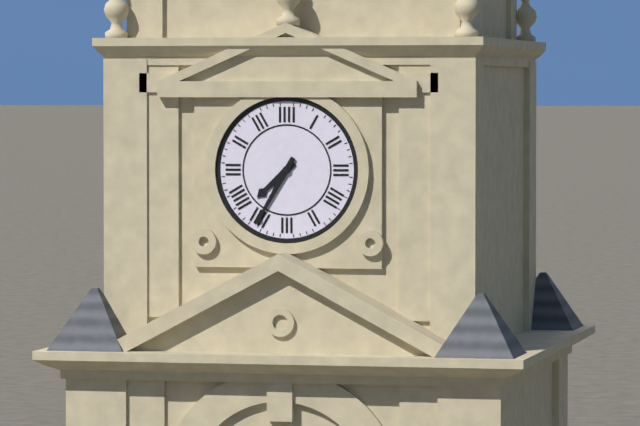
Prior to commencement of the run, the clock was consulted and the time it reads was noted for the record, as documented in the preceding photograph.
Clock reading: 7:35
